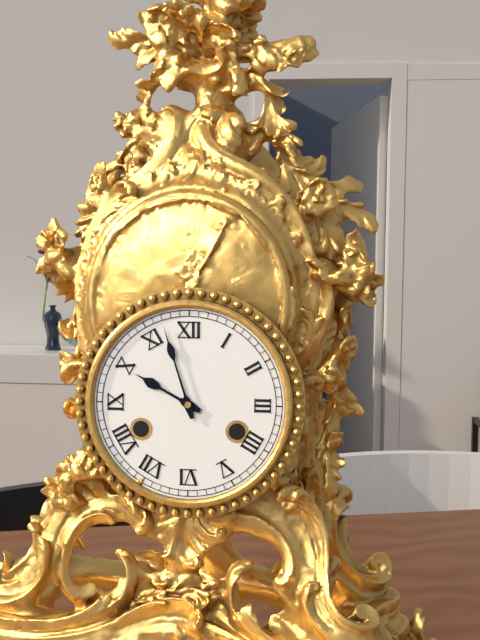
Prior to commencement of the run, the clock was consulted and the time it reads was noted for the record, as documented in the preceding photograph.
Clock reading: 9:57
